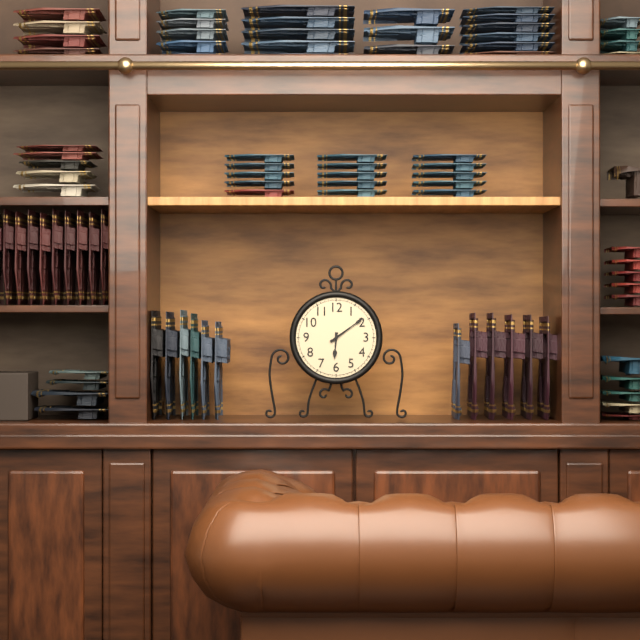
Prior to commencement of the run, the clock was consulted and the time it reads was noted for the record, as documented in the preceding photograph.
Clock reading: 6:09
